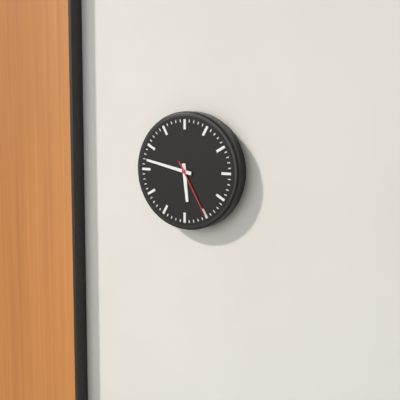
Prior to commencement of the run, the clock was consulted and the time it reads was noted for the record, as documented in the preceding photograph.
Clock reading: 5:47:25
